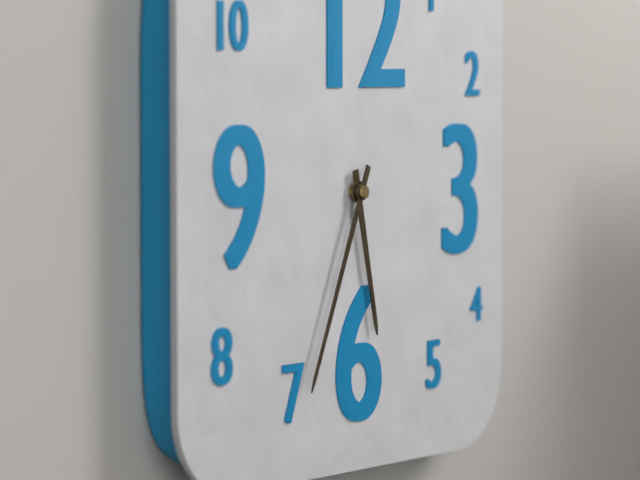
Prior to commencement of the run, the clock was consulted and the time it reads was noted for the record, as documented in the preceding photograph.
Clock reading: 5:34
